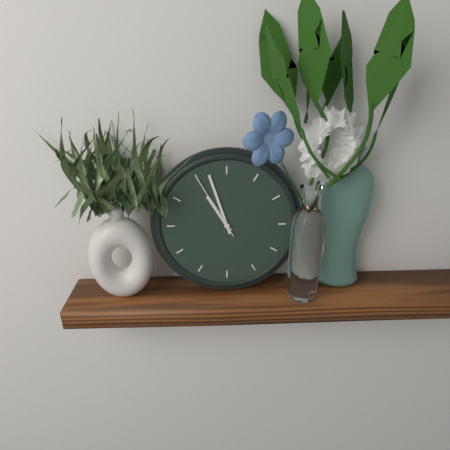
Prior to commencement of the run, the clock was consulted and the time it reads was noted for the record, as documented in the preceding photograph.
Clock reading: 10:57:55
